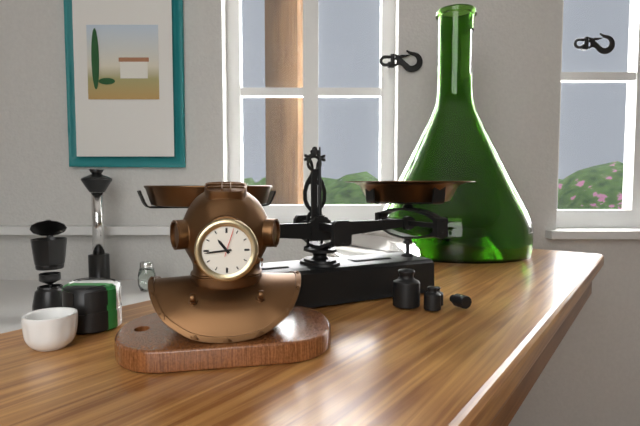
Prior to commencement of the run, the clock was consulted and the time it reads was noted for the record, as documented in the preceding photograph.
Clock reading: 10:44
